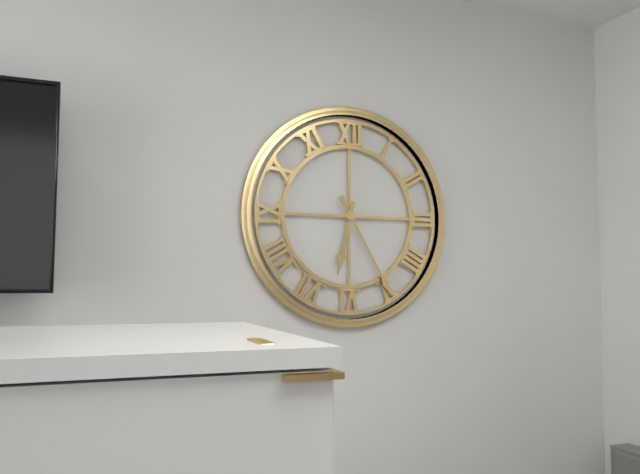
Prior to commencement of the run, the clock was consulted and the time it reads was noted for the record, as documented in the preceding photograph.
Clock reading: 6:25
